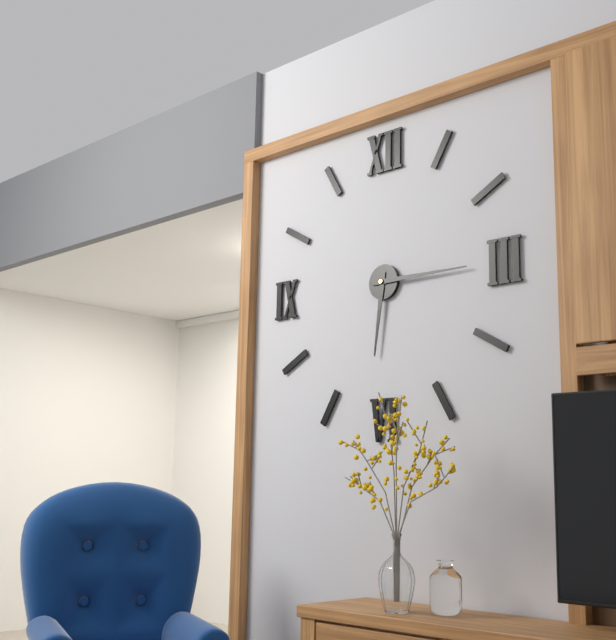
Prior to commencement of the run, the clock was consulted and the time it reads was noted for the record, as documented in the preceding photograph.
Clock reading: 6:15
